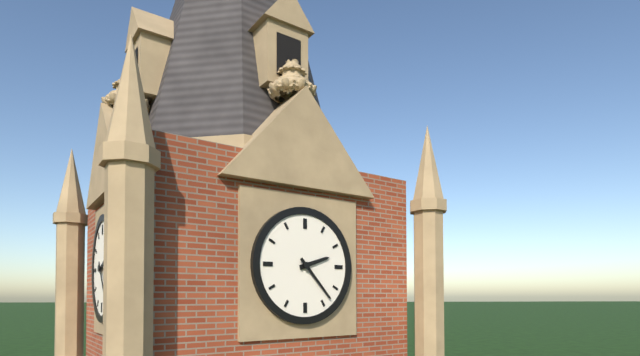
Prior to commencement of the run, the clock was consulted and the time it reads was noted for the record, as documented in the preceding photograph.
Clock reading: 2:23
